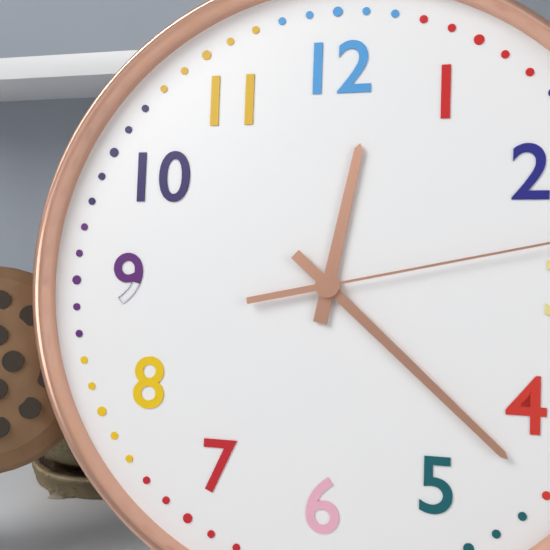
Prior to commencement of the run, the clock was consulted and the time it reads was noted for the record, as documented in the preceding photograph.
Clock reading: 12:22
